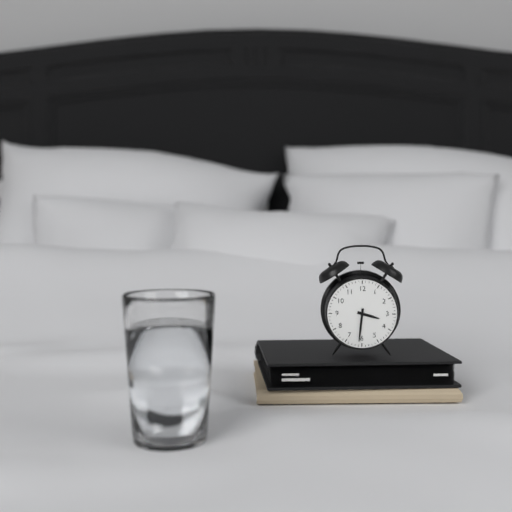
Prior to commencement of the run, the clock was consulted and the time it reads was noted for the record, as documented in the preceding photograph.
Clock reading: 3:31
